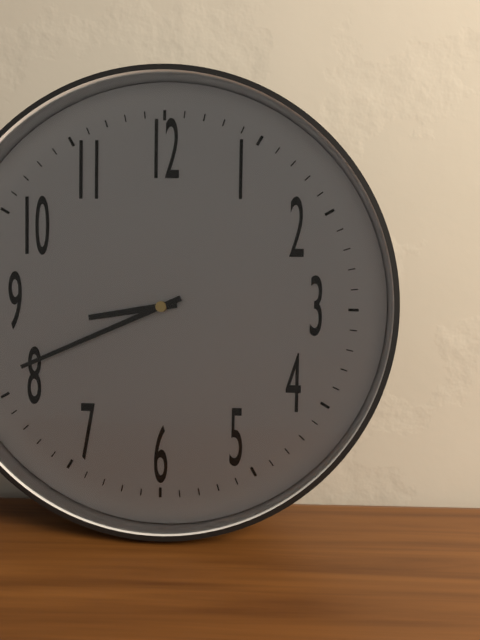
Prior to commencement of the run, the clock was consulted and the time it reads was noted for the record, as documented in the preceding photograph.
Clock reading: 8:41
